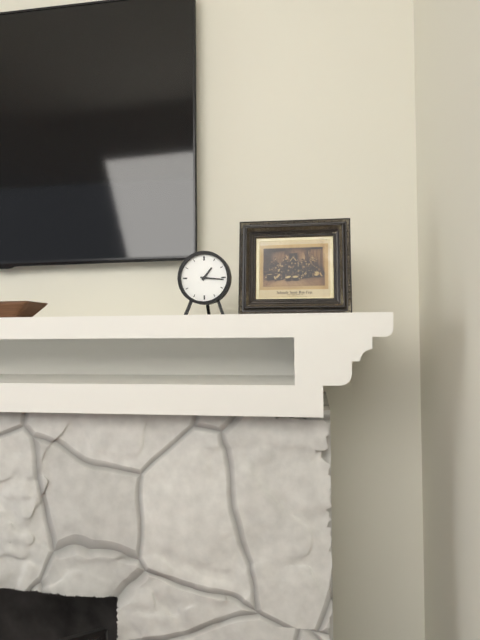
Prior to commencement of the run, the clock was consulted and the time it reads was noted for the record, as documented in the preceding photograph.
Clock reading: 1:16
